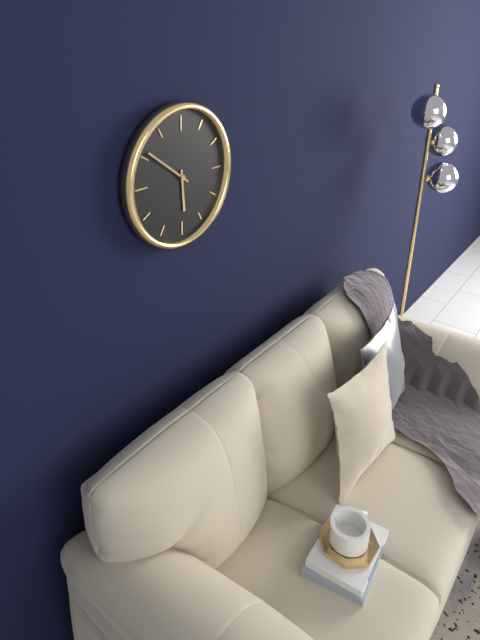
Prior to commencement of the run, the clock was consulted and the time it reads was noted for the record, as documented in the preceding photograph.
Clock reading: 5:51
